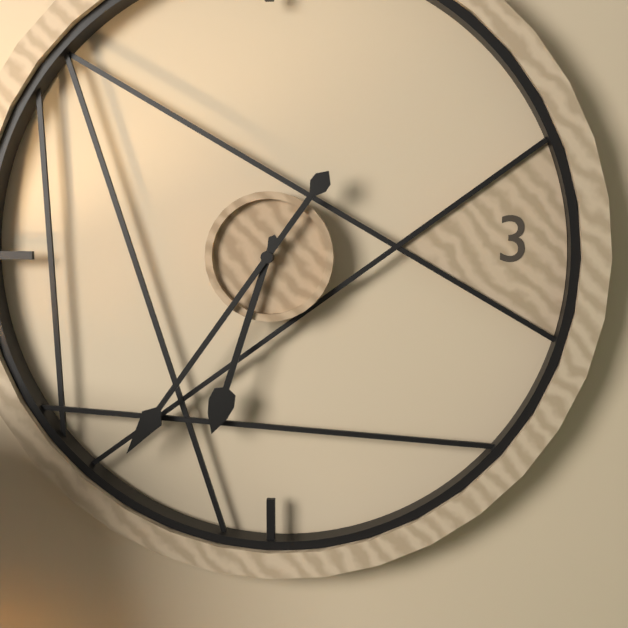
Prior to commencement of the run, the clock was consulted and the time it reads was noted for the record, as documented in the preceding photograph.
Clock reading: 6:36
